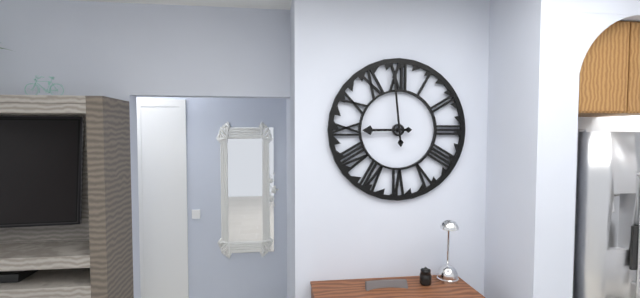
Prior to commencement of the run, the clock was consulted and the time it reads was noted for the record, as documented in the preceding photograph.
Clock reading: 8:59
